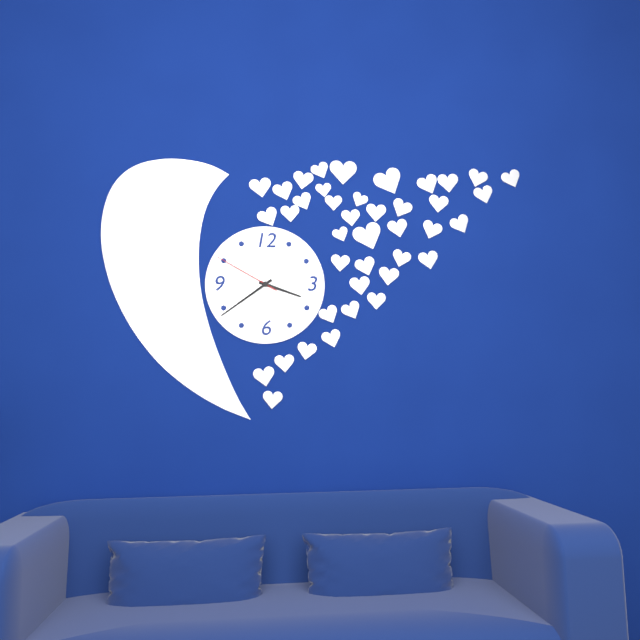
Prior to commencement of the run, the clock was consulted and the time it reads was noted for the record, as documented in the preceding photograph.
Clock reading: 3:39:50
